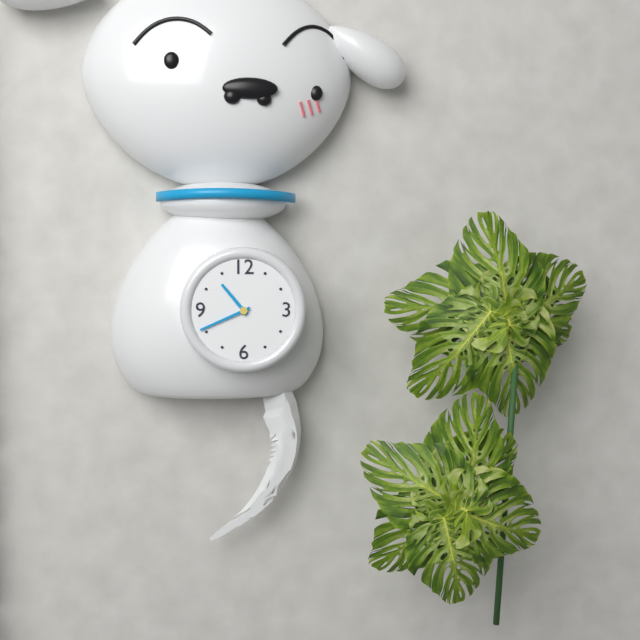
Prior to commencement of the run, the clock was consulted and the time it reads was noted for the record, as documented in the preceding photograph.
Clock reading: 10:41
